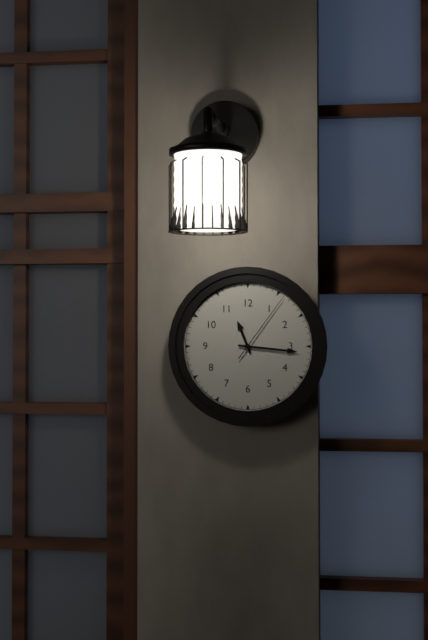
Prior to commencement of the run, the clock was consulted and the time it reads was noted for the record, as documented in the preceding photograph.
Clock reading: 11:16:06
